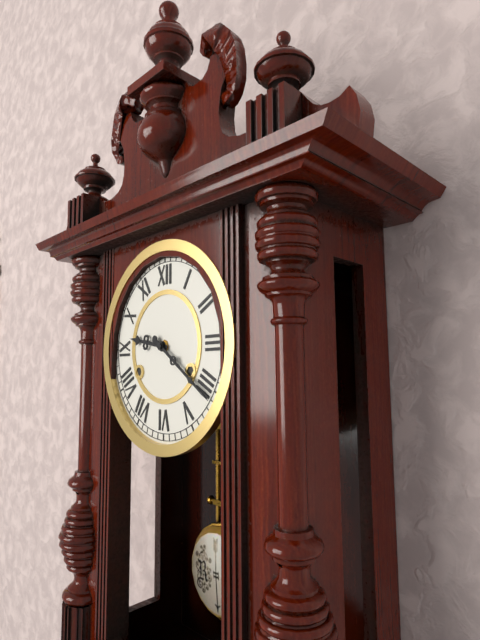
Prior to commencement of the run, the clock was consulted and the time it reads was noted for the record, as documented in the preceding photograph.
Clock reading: 9:21
